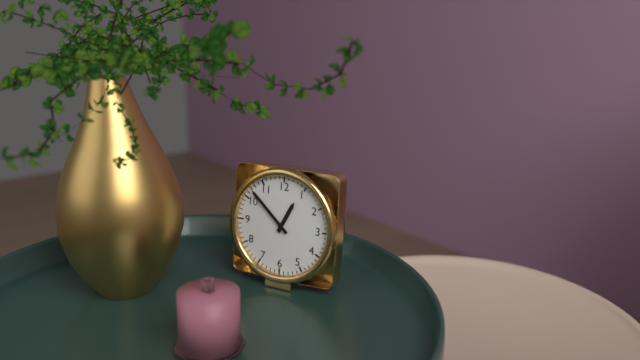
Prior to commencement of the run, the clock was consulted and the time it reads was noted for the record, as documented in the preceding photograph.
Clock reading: 12:52
